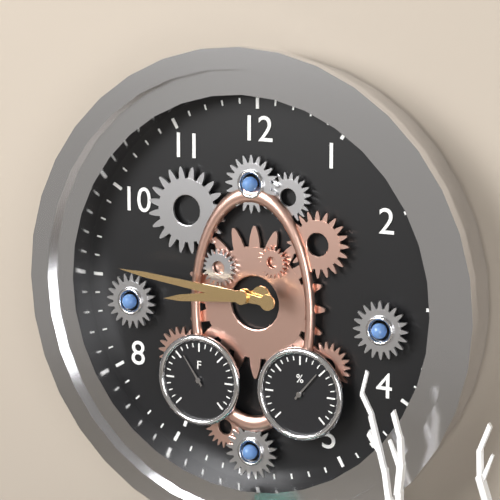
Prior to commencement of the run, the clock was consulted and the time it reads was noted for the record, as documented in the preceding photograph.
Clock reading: 8:46
